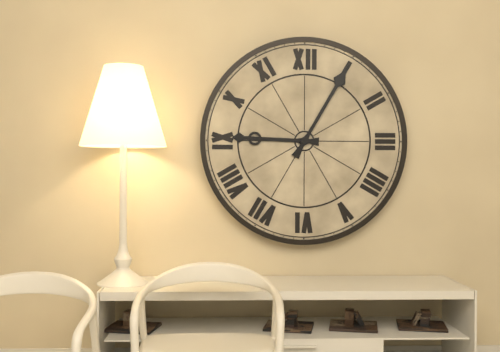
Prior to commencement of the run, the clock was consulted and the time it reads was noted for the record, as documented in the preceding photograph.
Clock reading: 9:05
